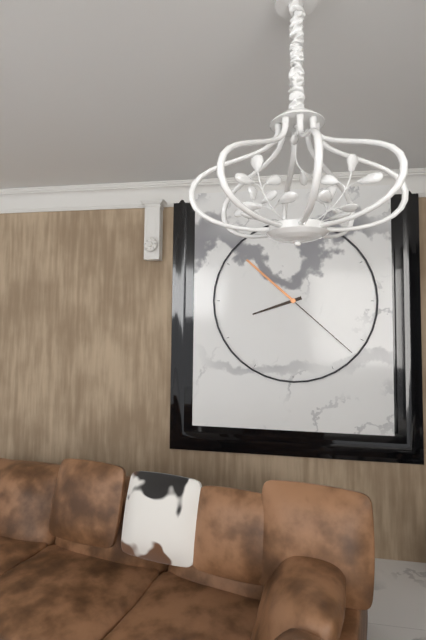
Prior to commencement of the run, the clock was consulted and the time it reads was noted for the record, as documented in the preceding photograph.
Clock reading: 8:22
